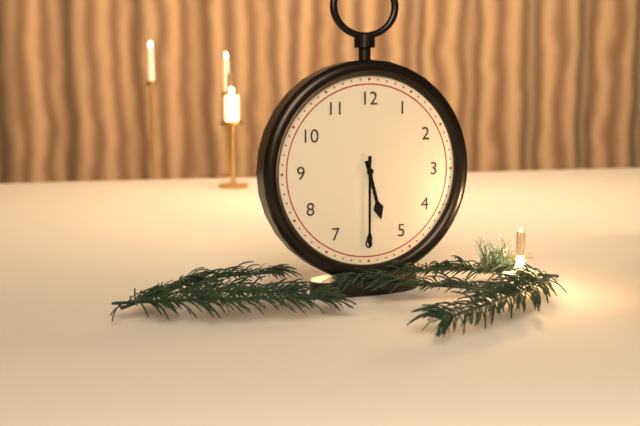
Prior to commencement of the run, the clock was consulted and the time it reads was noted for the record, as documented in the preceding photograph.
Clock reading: 5:30
